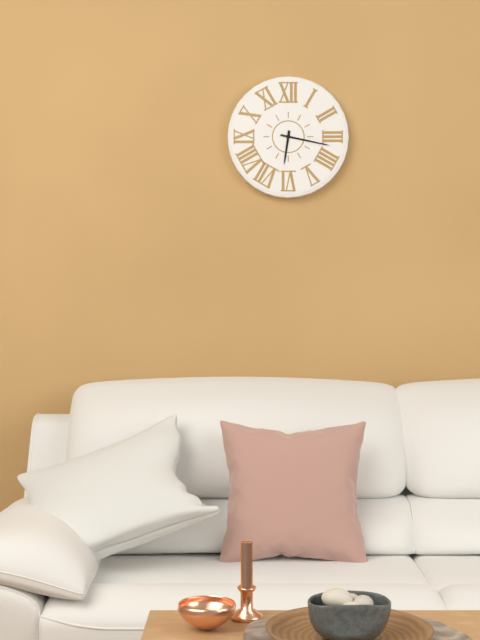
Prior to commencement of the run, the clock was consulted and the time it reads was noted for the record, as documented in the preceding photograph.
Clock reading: 6:17
